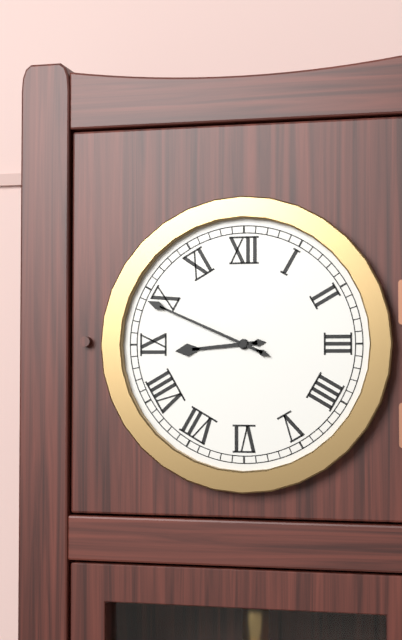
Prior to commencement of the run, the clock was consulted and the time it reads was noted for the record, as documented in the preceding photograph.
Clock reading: 8:49
